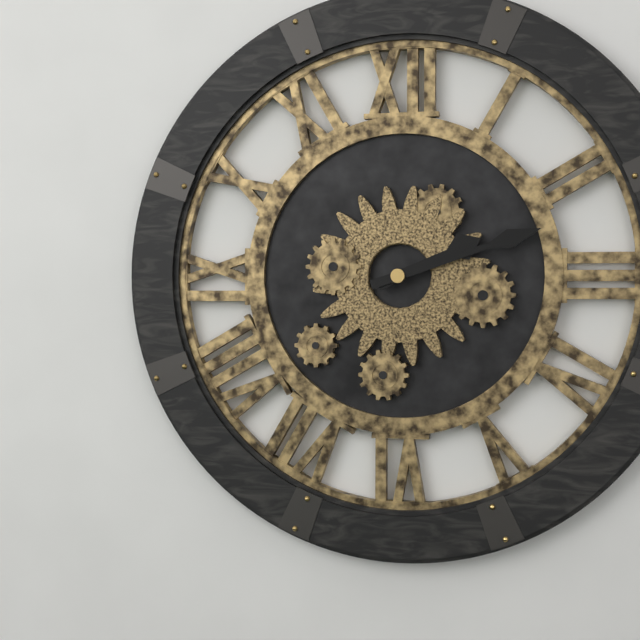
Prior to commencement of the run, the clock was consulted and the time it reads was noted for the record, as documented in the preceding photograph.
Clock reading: 2:12
